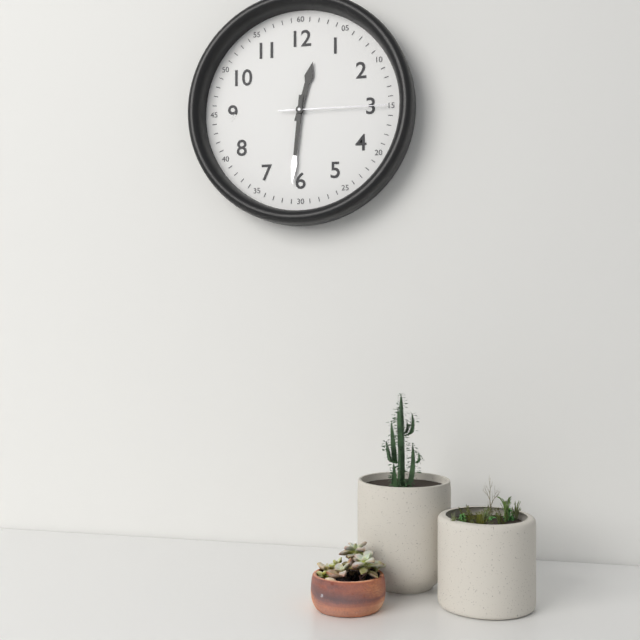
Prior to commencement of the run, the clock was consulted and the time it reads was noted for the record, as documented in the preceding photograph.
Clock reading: 12:31:15
